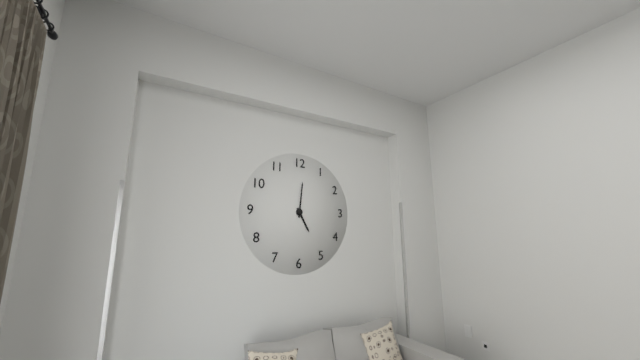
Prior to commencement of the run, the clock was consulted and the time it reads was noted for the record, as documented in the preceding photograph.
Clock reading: 5:01
